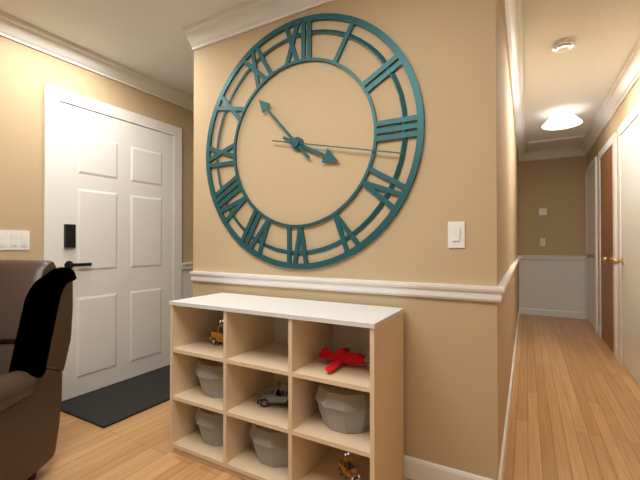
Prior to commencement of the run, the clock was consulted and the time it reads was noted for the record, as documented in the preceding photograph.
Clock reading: 3:53:17
